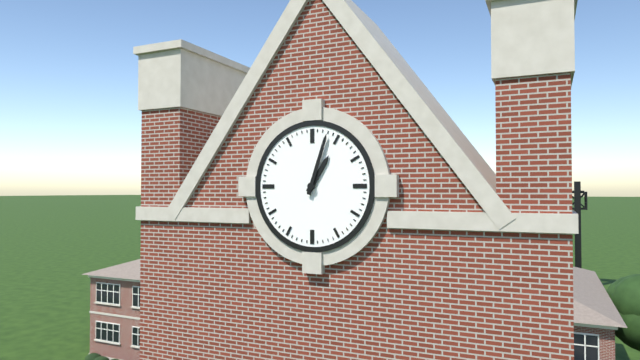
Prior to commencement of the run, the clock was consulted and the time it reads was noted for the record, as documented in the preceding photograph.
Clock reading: 1:03
